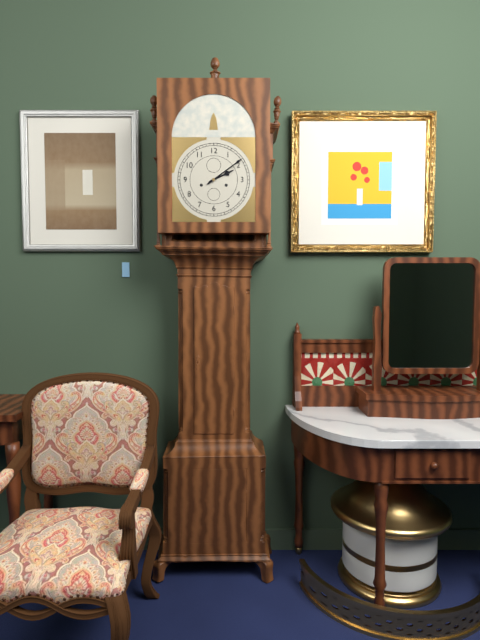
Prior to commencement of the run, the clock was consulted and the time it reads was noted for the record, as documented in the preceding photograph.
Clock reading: 2:09
